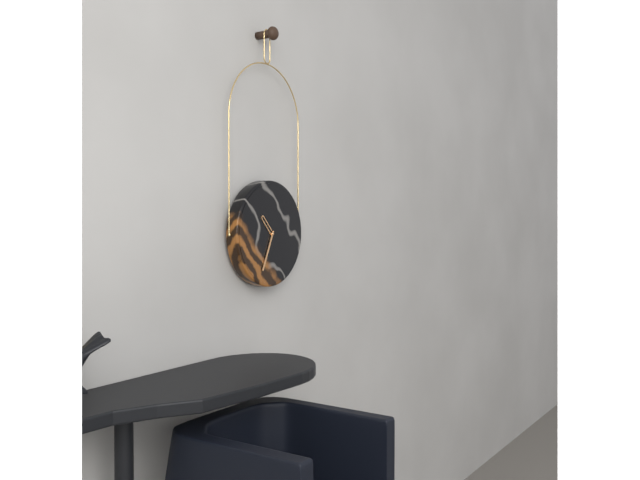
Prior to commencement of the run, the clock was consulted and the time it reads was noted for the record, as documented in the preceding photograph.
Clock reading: 10:34
